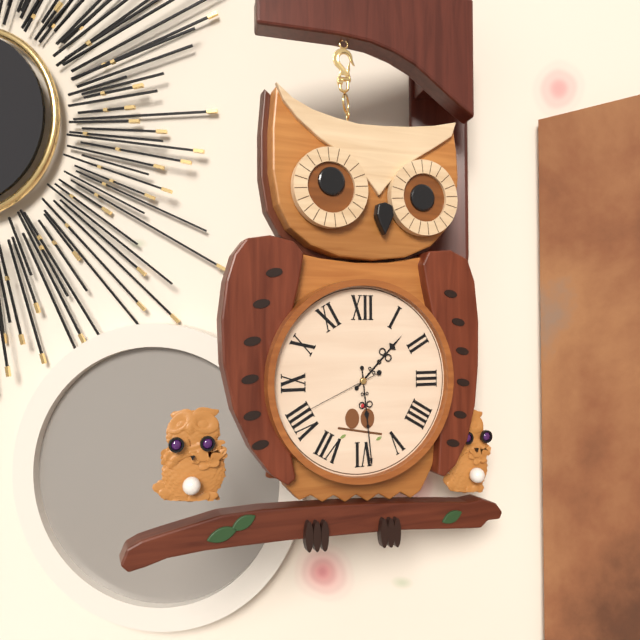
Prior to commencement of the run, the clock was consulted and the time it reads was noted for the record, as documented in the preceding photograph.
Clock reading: 1:29:41
